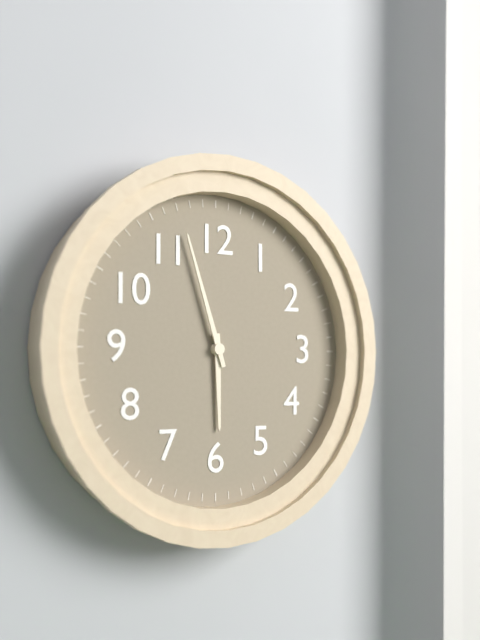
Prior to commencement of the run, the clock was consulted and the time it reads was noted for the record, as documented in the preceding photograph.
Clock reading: 5:57
